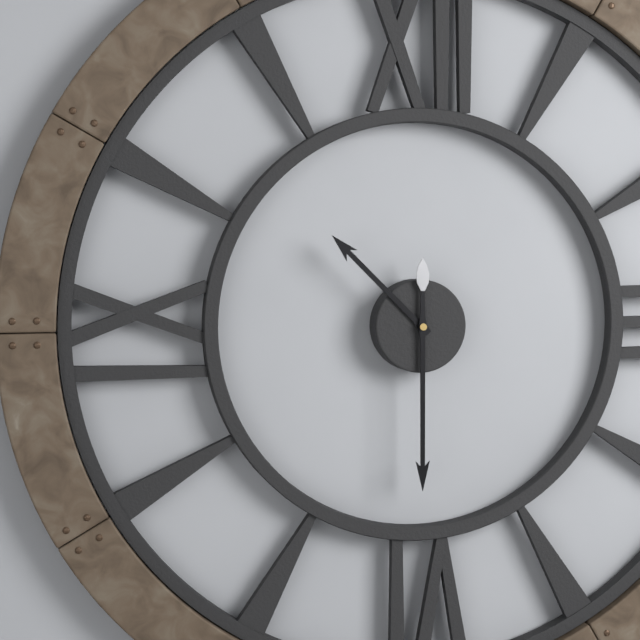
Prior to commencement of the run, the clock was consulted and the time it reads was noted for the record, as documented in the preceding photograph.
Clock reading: 10:30
